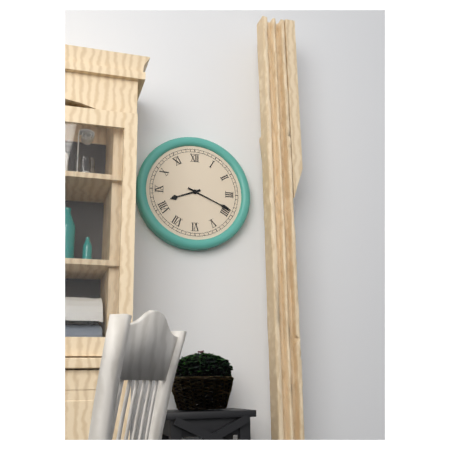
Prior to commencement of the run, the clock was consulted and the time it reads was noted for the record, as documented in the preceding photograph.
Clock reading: 8:19
